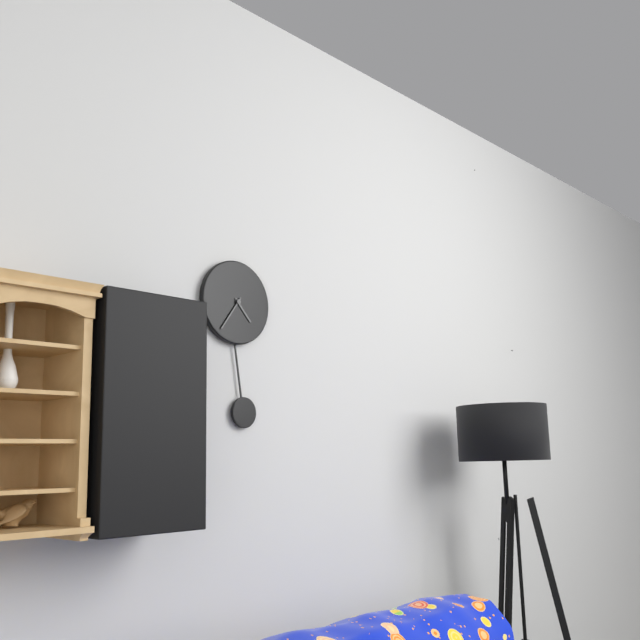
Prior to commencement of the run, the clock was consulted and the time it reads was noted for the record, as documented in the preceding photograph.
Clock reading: 4:36
